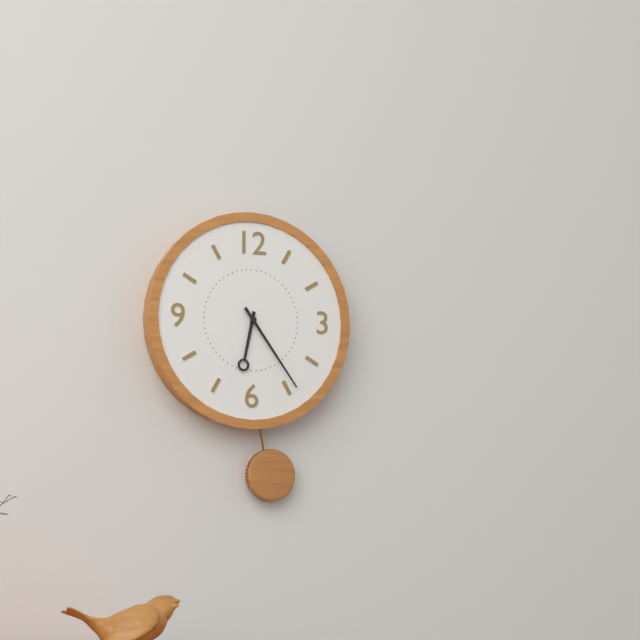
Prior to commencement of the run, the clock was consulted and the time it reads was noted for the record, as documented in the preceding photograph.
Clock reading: 6:24
